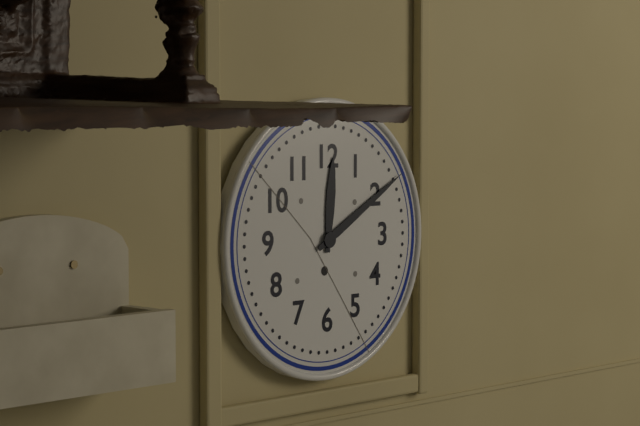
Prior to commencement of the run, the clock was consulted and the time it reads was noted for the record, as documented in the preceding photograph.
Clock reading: 12:10
